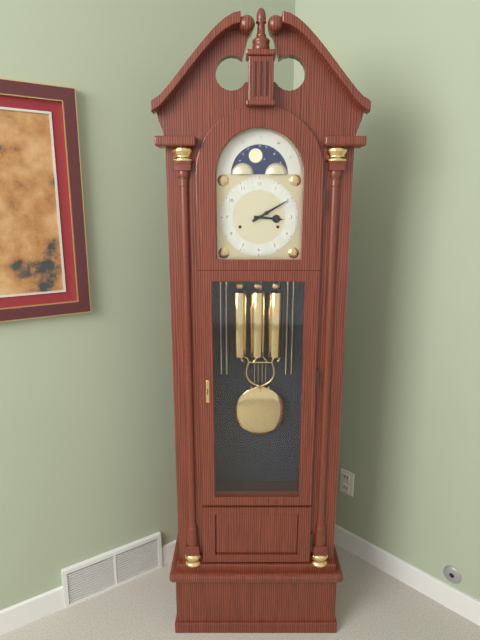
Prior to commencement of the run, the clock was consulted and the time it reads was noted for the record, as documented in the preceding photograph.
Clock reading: 3:10
